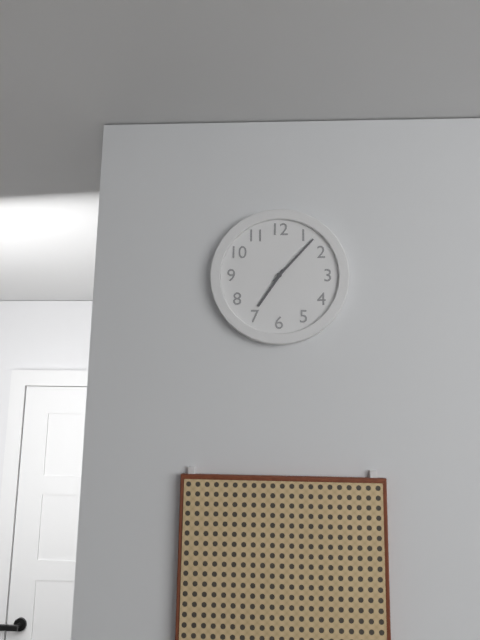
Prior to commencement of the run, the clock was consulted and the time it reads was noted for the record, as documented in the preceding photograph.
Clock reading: 7:07
